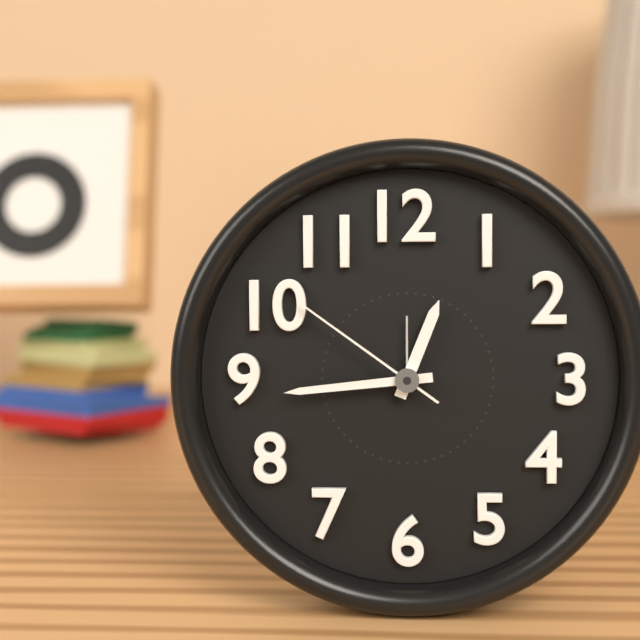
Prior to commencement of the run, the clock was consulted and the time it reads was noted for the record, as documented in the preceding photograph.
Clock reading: 12:44:51
